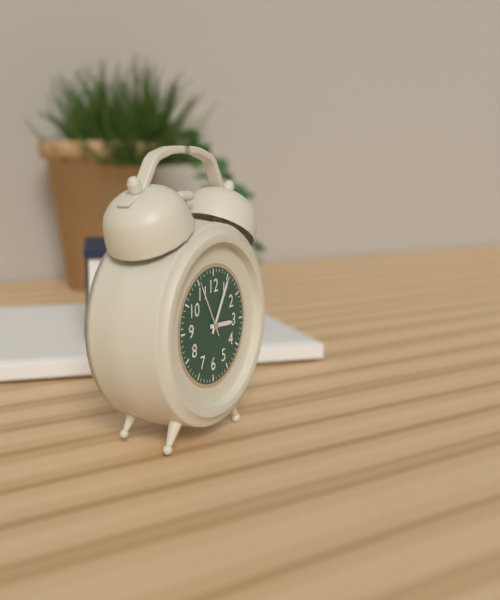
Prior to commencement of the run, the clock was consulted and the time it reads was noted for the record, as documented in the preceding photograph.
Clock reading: 3:05:55
